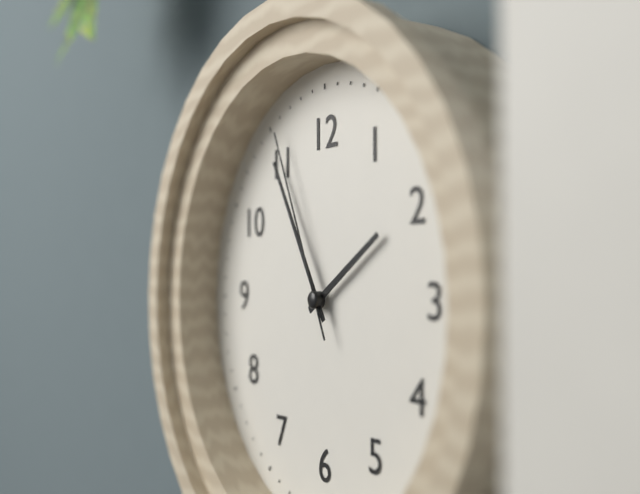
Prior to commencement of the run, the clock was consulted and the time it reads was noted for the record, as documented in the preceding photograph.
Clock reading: 1:55:56
